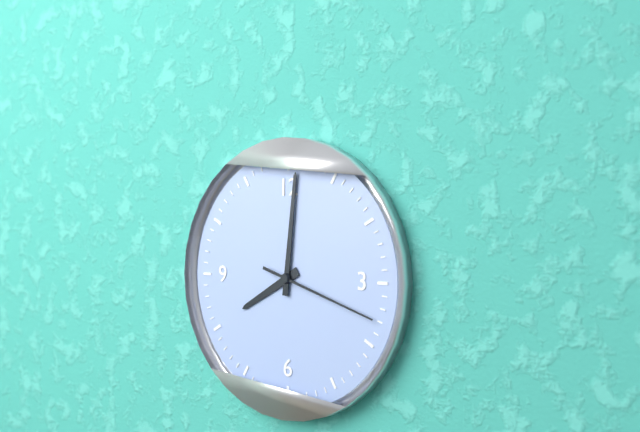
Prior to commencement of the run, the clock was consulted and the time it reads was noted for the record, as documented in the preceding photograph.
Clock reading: 8:01:18
